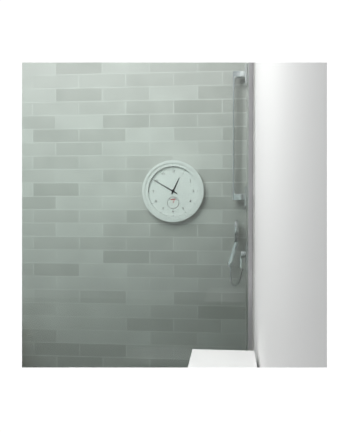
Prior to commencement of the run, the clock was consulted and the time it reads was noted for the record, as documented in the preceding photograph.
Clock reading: 12:50
